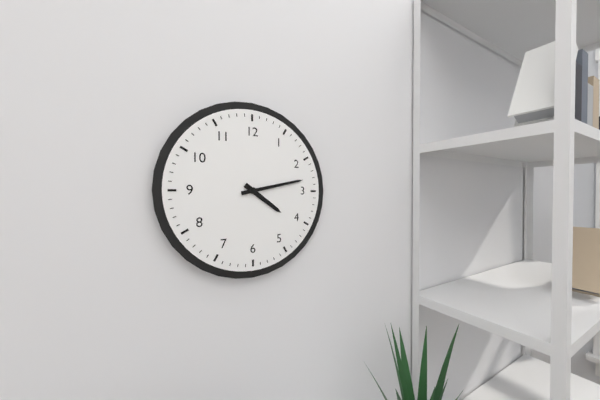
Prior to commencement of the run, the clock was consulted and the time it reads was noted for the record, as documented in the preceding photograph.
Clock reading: 4:13
